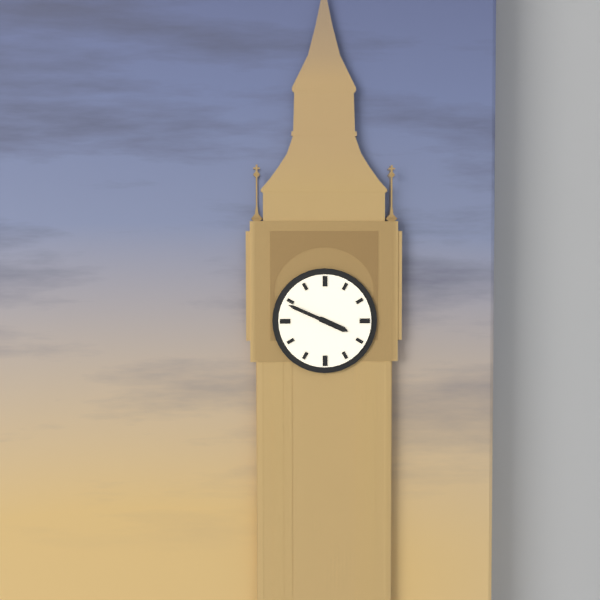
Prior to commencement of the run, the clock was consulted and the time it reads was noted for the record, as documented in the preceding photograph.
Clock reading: 3:49
